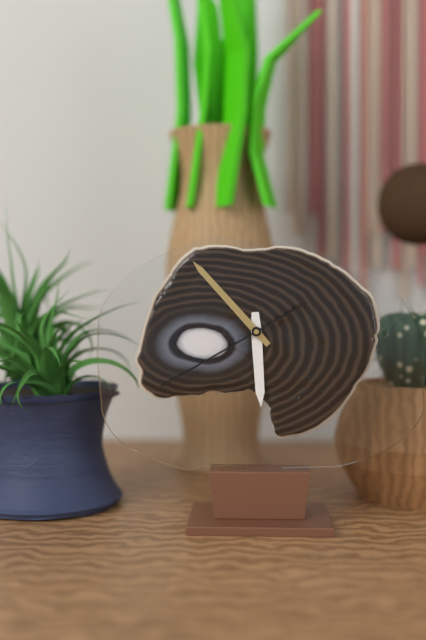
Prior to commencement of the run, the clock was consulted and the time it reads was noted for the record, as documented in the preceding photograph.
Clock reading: 5:53:40
